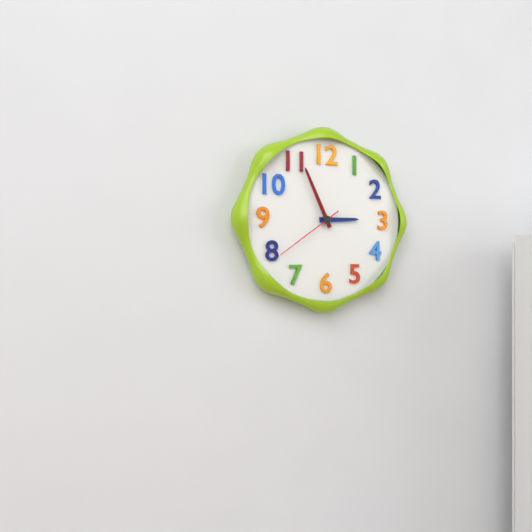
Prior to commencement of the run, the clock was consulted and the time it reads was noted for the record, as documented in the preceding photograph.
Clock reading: 2:56:39
